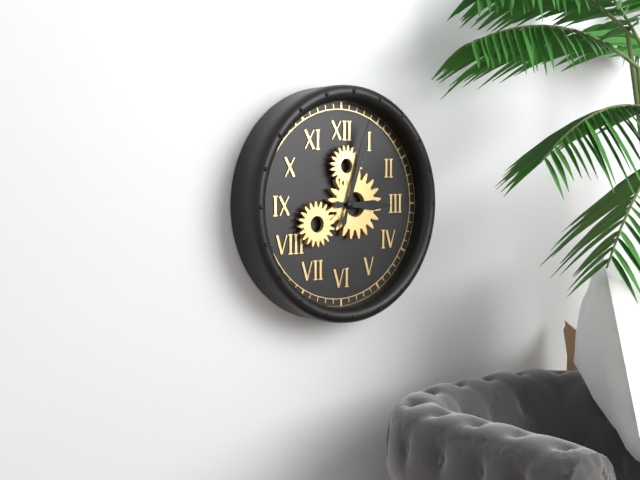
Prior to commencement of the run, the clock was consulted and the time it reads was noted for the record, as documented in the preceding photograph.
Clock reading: 3:03
